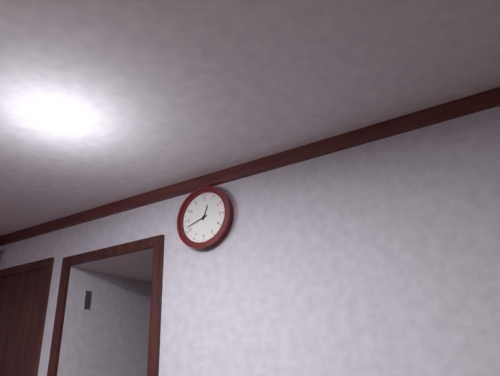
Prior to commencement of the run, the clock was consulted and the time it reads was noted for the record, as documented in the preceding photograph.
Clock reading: 12:42
